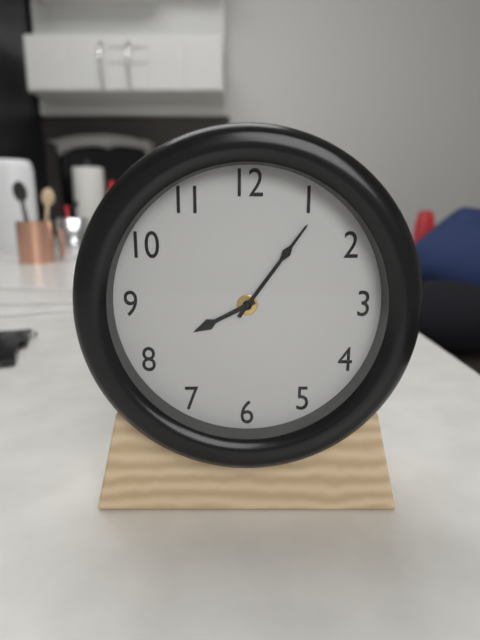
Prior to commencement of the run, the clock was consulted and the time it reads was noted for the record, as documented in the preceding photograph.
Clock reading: 8:06
